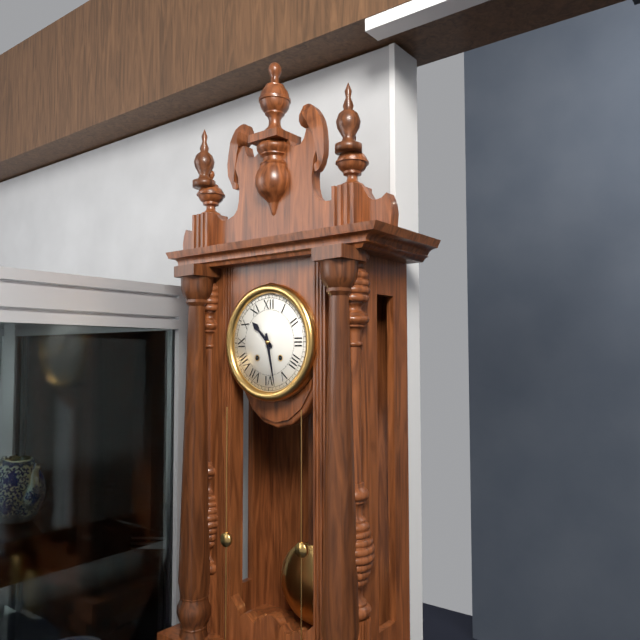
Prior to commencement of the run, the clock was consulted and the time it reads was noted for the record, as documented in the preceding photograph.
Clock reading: 10:28
